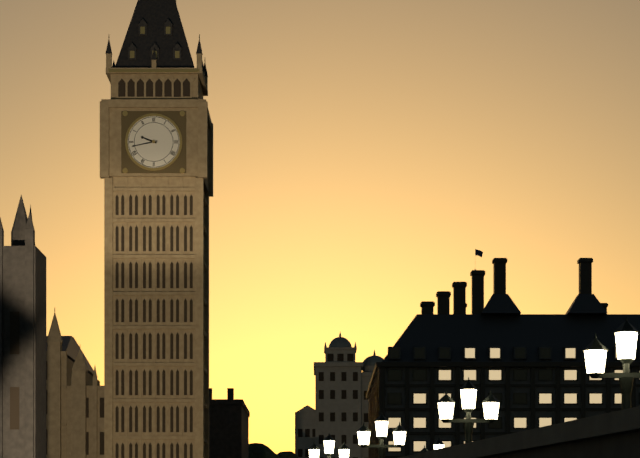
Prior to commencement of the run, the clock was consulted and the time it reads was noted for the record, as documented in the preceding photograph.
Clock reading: 9:43
